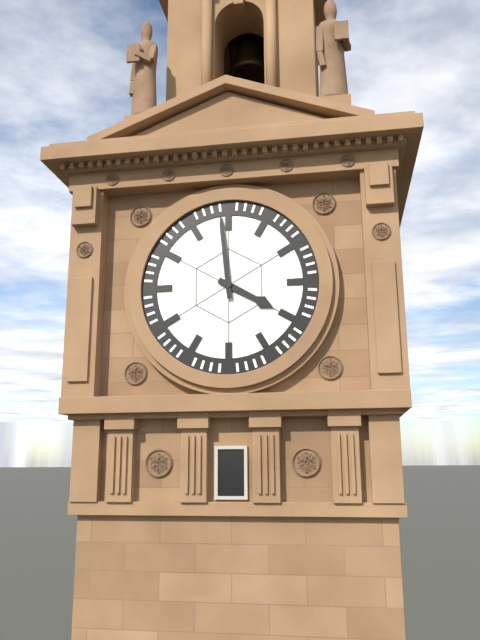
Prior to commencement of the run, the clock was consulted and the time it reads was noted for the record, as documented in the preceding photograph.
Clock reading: 3:59
